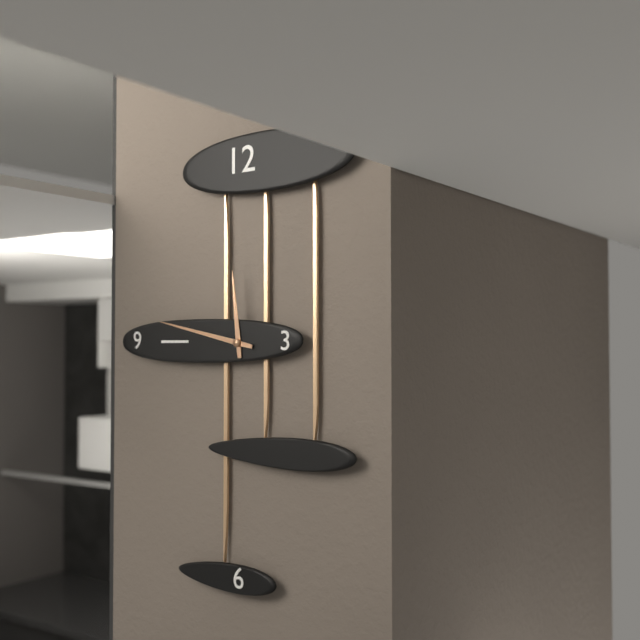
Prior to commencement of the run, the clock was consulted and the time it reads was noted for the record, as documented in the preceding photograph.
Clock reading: 11:47
